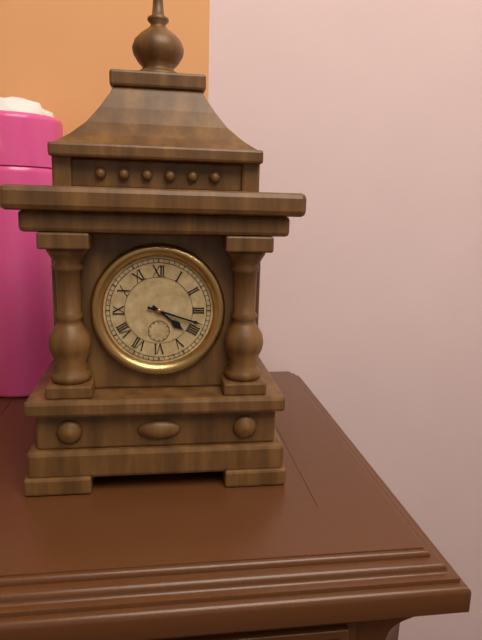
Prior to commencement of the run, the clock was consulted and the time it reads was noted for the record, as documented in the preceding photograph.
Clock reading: 4:18
